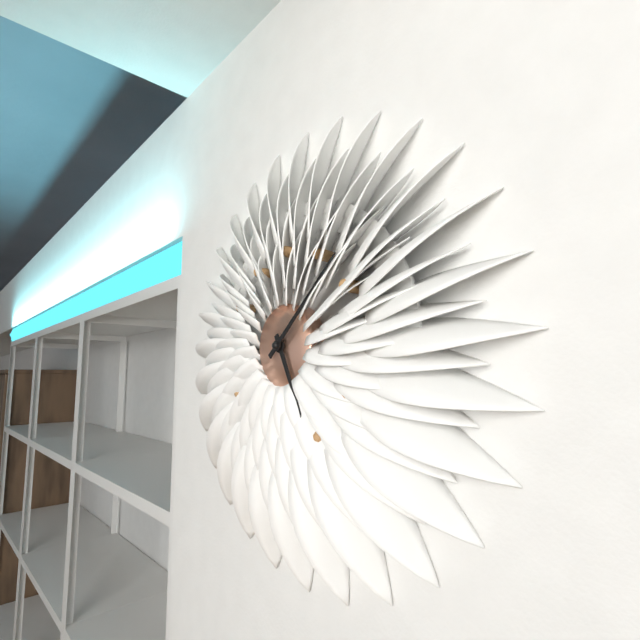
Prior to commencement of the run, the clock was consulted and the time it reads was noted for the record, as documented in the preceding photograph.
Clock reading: 5:08
